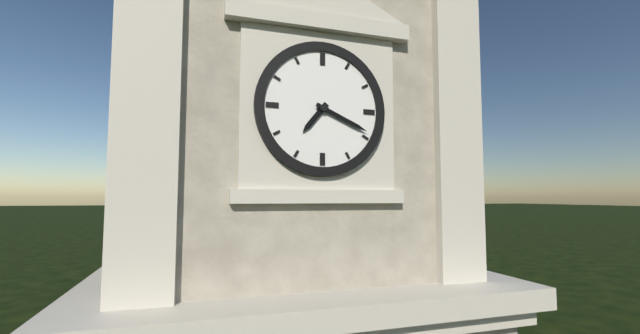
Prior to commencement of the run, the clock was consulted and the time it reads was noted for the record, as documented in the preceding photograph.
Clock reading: 7:19
